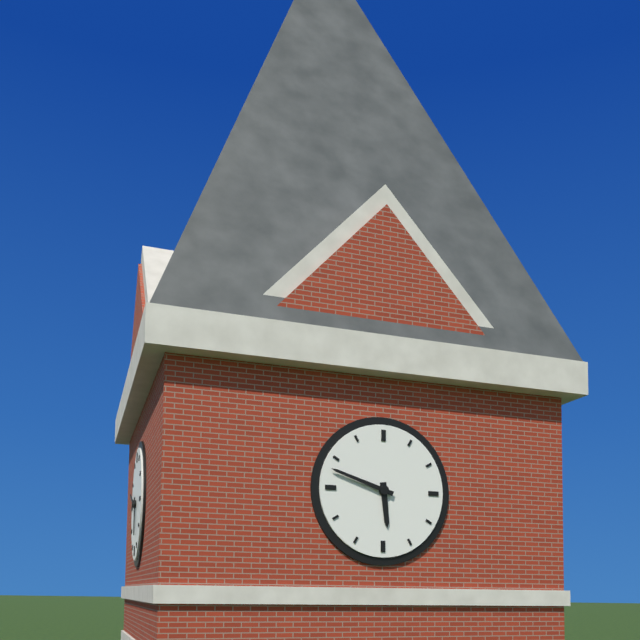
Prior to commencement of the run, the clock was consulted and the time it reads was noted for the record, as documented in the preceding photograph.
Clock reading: 5:48
